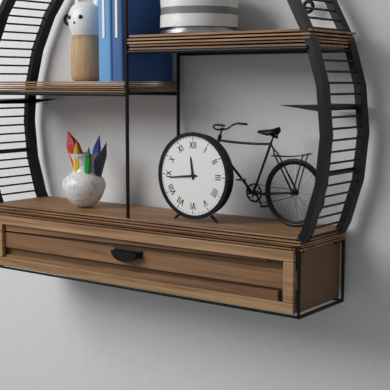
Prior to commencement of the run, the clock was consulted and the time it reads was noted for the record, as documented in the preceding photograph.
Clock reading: 11:44
